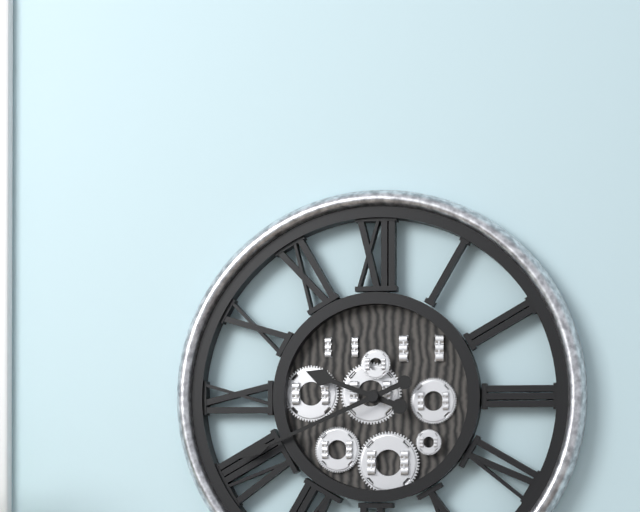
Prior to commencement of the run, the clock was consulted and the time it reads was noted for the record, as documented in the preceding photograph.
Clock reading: 9:41
